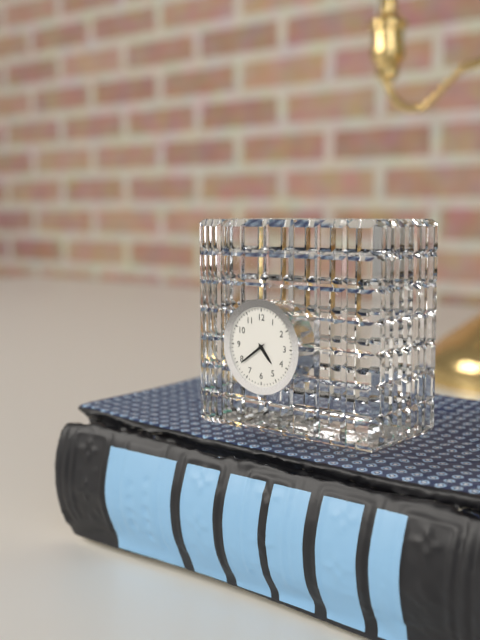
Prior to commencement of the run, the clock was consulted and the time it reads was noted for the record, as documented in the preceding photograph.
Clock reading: 4:39
